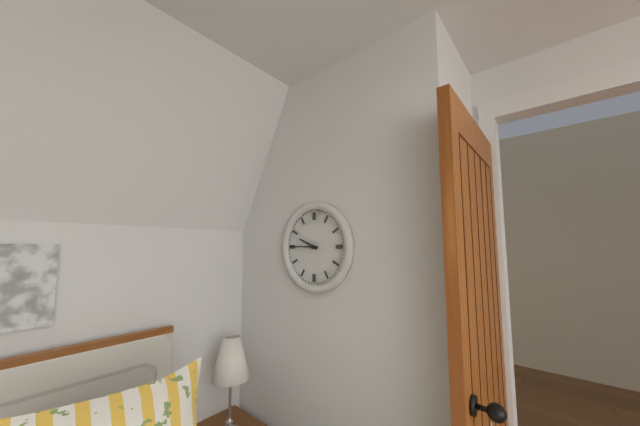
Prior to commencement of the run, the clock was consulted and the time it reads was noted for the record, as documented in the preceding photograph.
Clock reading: 9:45
